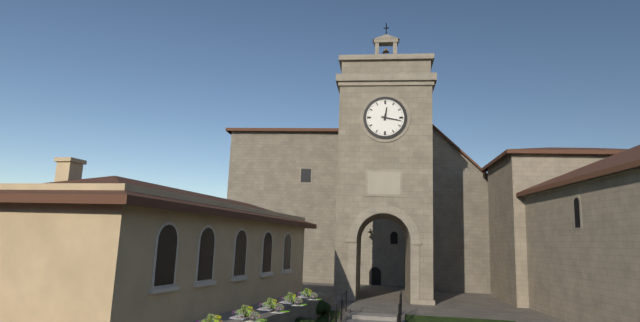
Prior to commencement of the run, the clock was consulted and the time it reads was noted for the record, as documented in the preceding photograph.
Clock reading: 12:17
